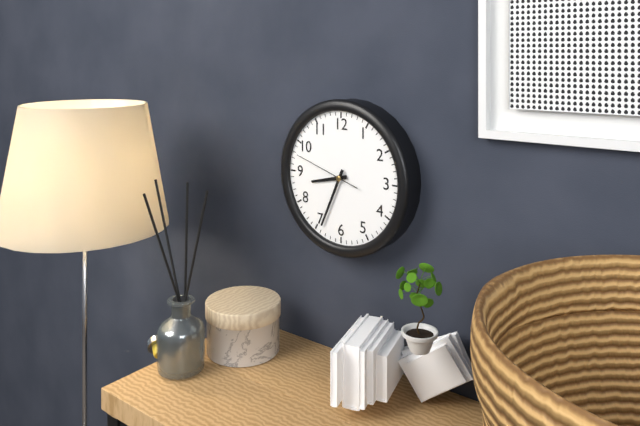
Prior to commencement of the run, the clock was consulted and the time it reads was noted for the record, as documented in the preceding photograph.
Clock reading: 8:34:48
